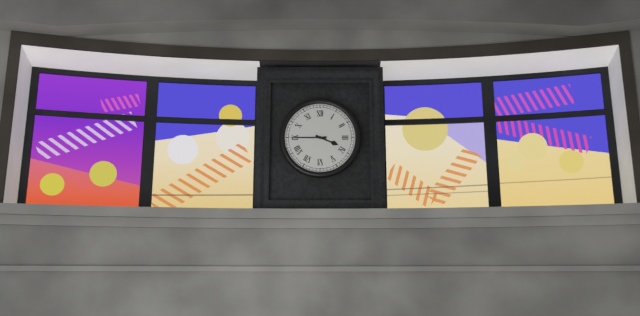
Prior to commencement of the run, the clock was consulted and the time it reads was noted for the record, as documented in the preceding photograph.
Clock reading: 3:45
